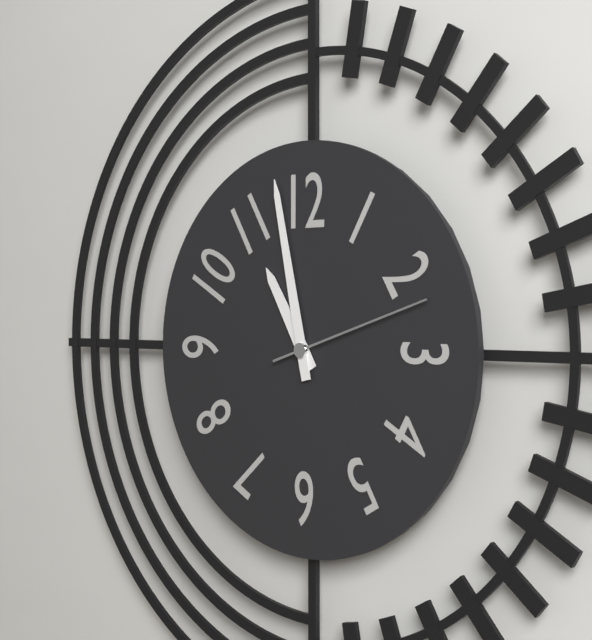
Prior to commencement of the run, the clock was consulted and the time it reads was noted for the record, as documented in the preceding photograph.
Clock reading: 10:58:12
